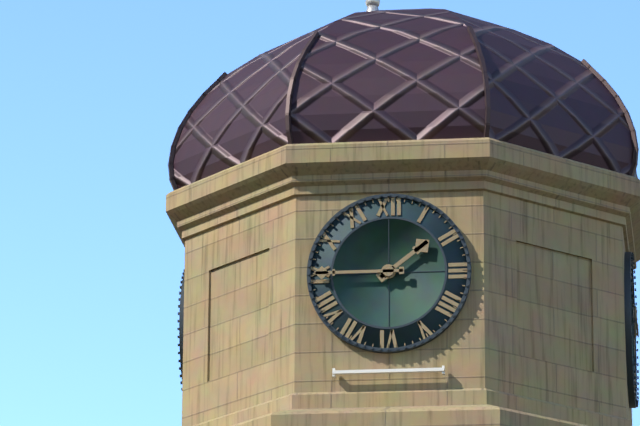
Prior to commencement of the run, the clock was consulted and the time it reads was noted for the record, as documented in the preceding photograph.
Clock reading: 1:45
